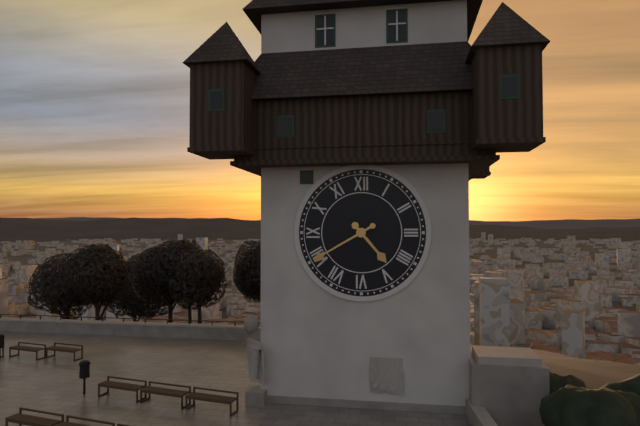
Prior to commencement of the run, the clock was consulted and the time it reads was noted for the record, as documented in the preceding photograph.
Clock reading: 4:40
